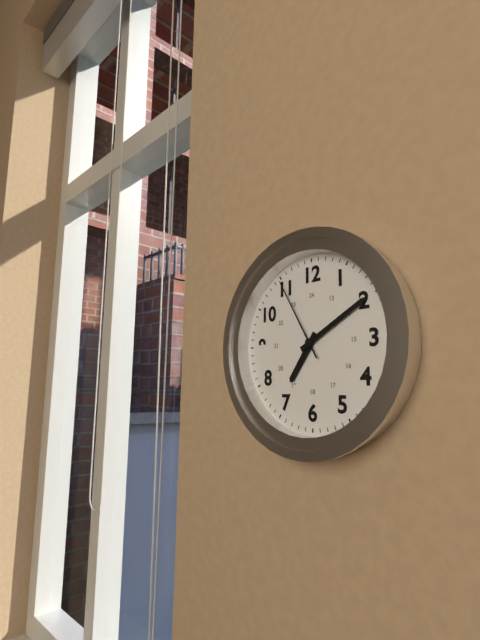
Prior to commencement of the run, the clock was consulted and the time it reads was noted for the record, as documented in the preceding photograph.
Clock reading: 7:10:55
